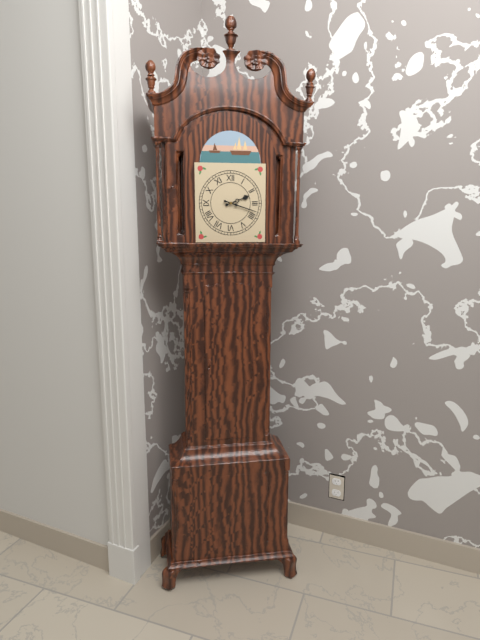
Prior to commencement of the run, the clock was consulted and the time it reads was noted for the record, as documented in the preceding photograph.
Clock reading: 2:18
